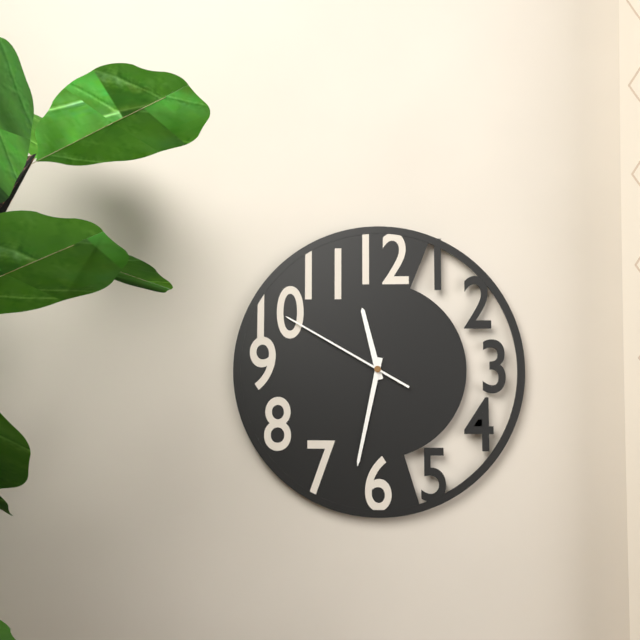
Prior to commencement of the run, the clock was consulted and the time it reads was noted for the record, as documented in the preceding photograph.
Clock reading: 11:32:50
